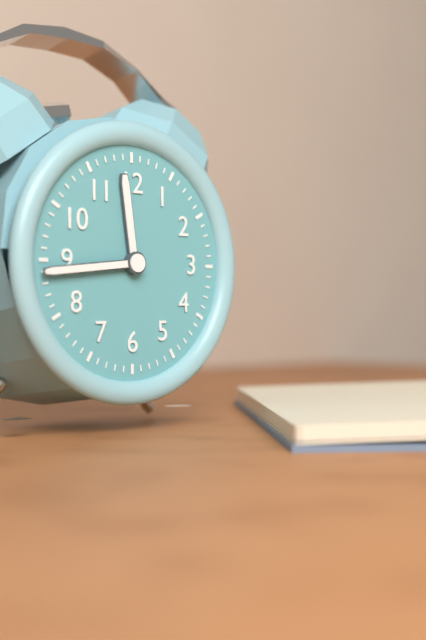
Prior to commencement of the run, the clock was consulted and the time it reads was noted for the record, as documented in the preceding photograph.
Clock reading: 11:44
